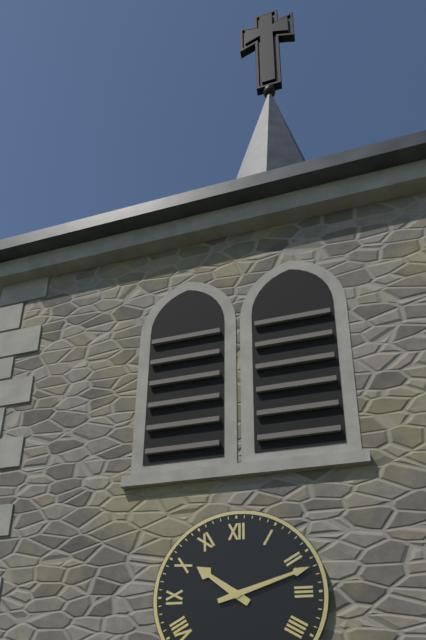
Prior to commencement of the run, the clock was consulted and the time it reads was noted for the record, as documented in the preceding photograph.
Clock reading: 10:12
